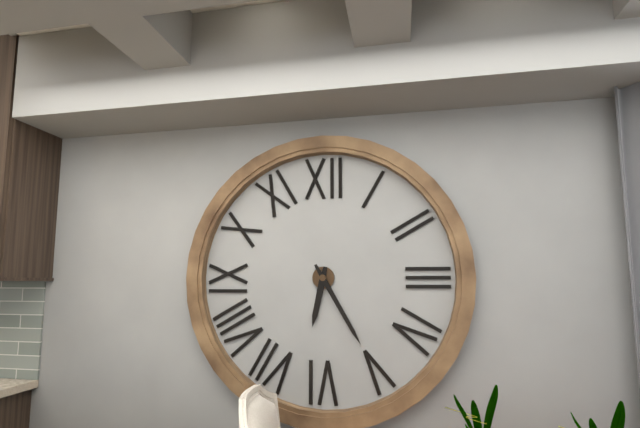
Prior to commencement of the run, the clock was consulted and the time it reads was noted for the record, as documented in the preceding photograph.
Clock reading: 6:25
